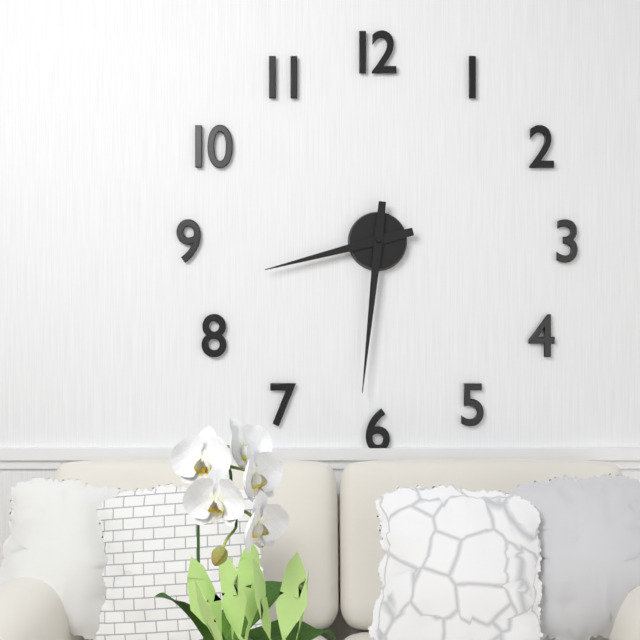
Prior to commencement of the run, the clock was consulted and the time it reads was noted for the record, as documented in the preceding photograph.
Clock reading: 8:31
